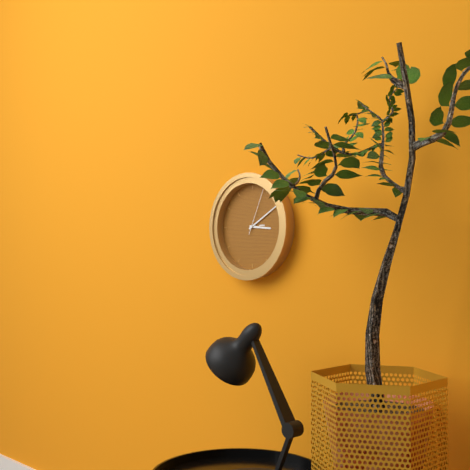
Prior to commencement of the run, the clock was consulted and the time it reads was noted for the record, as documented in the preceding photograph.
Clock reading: 3:10
